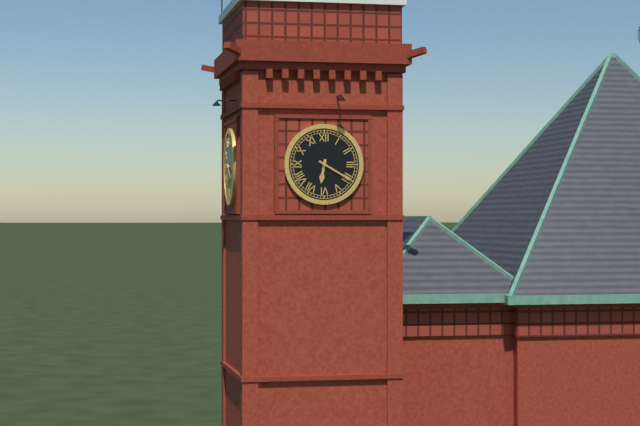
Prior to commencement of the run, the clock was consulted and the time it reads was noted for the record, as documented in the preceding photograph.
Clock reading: 6:20
